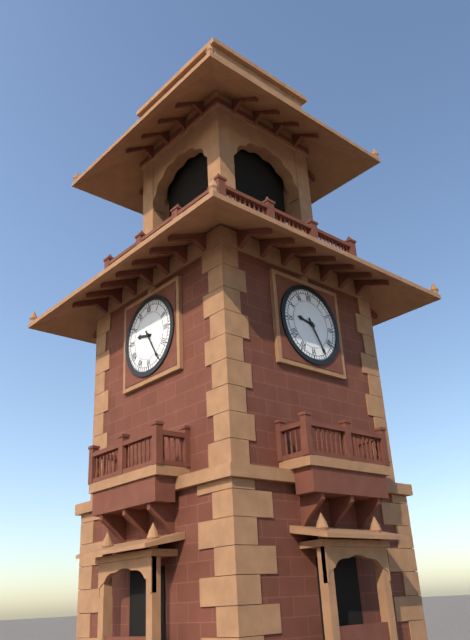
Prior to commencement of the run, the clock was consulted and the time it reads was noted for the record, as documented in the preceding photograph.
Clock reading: 9:25
